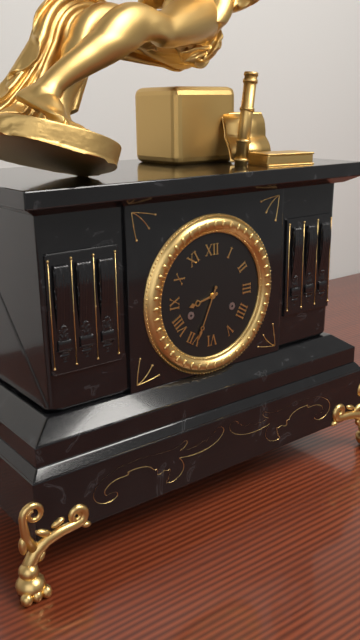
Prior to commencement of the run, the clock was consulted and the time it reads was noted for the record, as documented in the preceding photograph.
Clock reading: 8:34
